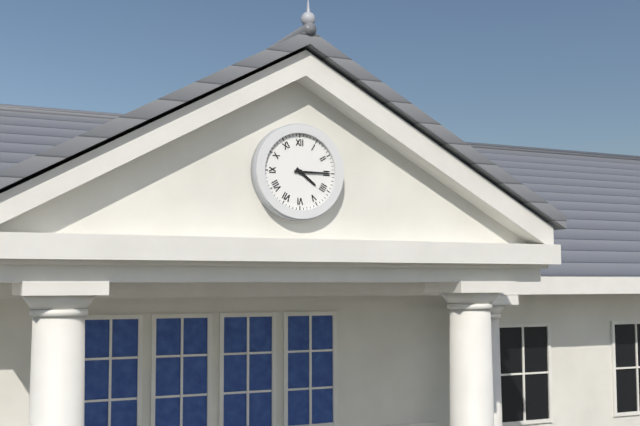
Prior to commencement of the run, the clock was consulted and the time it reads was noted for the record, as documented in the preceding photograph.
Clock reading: 4:15
